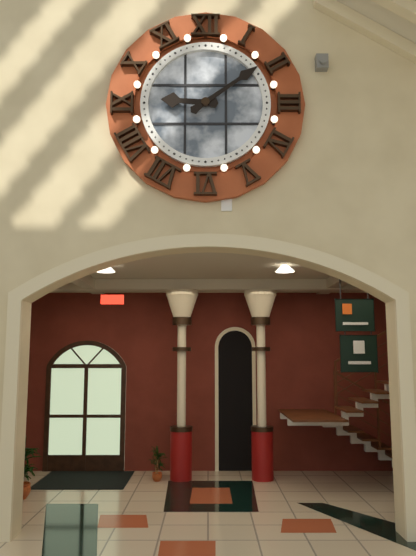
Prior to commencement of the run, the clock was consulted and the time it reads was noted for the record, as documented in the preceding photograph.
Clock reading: 9:09
